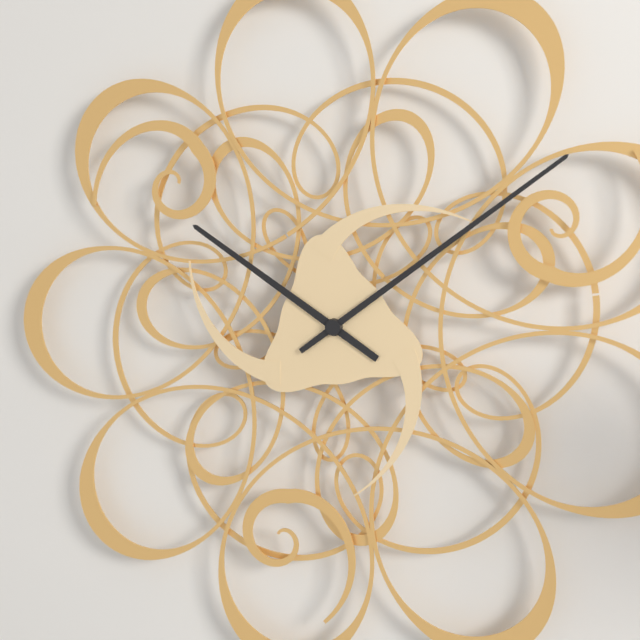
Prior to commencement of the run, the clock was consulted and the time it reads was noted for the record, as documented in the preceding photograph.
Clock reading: 10:09
